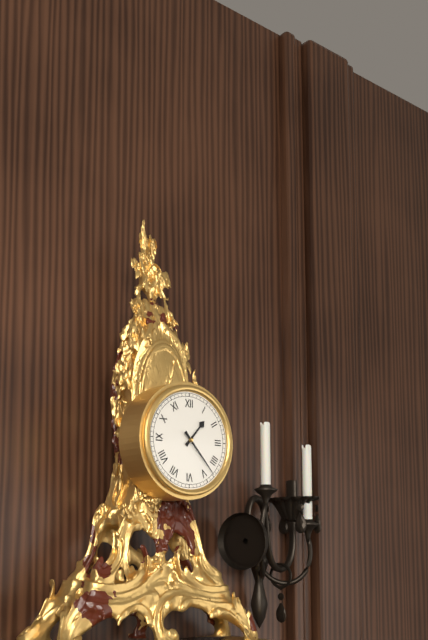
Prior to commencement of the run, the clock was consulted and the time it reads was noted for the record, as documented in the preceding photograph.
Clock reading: 1:23
